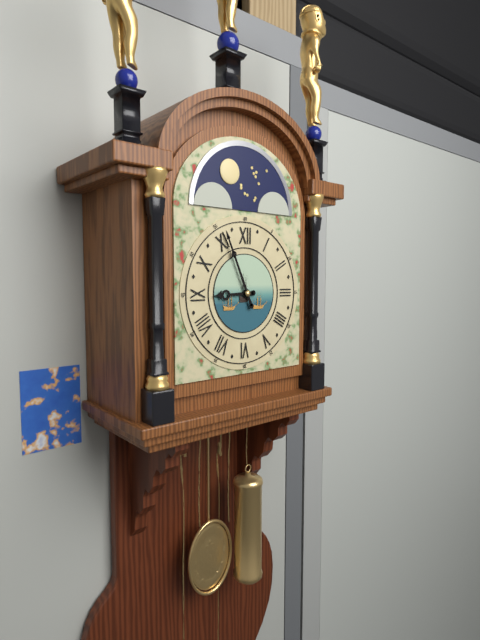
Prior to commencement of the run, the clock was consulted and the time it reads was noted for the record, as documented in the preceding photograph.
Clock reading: 8:56
